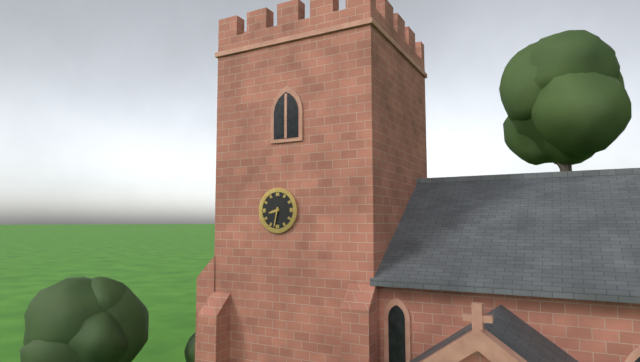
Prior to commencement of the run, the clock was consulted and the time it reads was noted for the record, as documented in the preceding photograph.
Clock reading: 8:32
